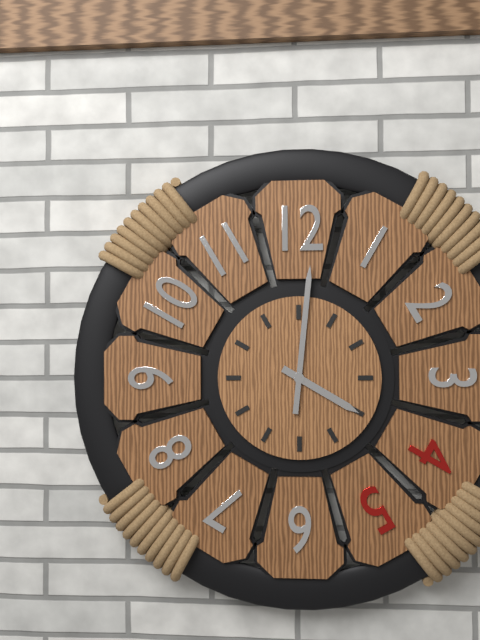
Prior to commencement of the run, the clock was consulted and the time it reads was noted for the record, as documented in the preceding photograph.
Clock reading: 4:01
